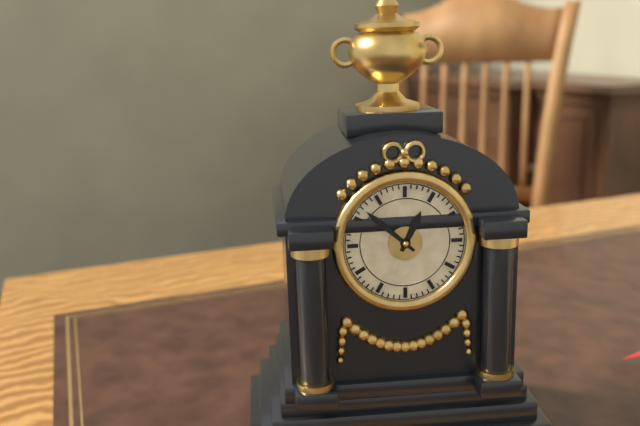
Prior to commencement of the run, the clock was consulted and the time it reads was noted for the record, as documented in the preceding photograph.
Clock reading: 12:52
